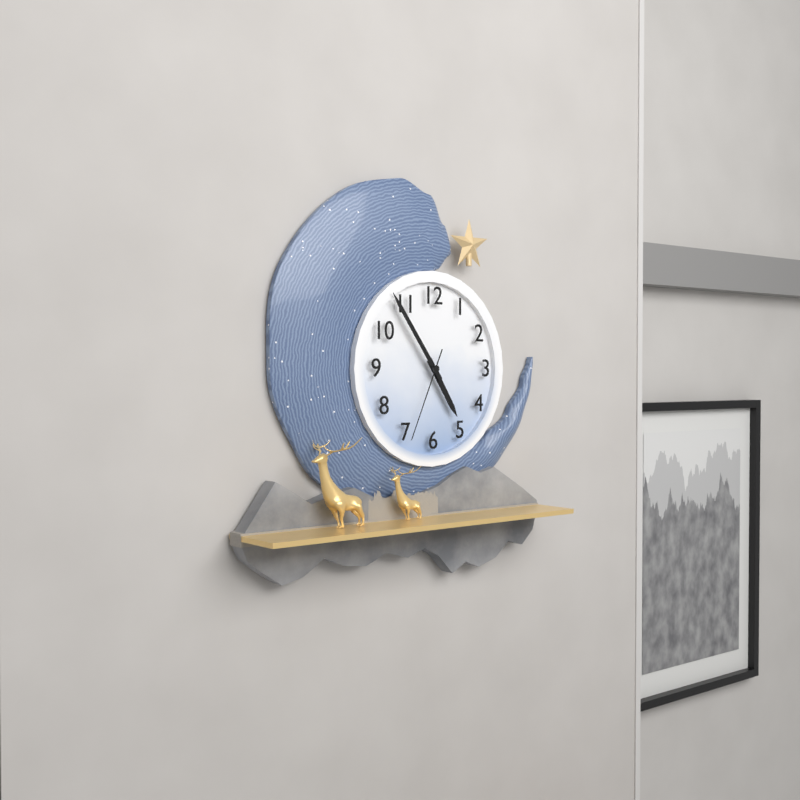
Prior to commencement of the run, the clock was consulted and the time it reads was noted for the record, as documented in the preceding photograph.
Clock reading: 4:54:34
